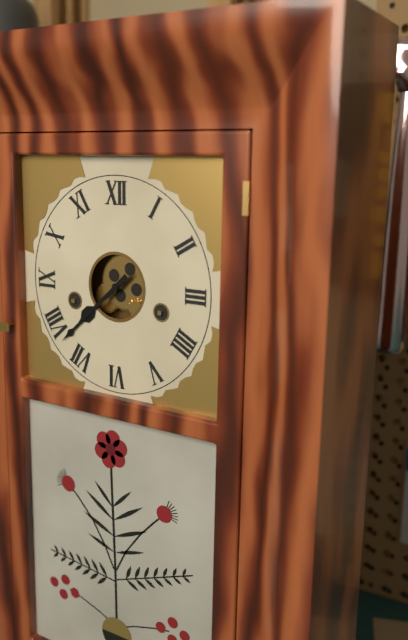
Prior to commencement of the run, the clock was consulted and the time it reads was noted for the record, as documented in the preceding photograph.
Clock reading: 7:38
